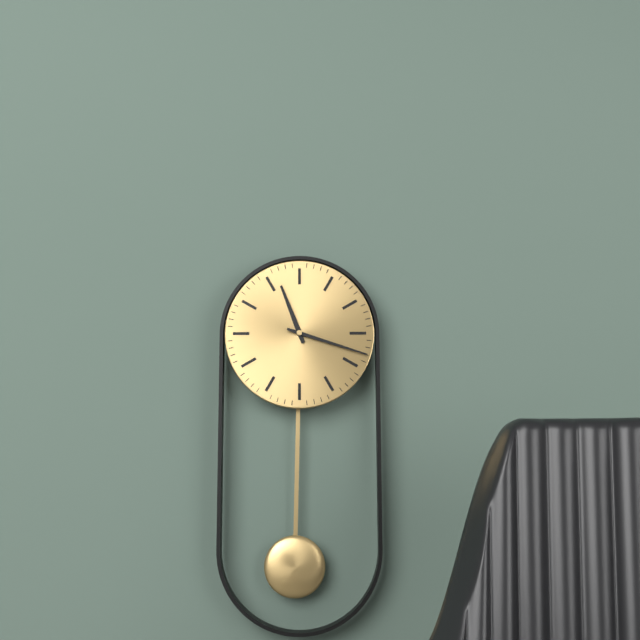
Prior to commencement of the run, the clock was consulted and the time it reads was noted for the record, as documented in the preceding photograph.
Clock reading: 11:18
